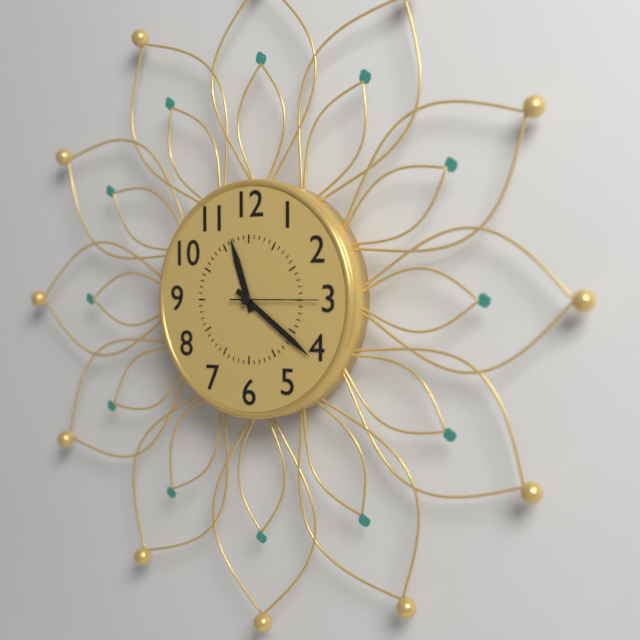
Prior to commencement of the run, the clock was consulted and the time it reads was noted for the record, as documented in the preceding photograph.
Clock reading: 11:21:15
